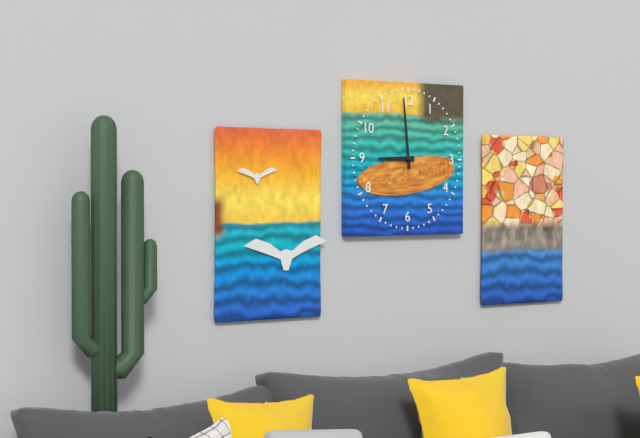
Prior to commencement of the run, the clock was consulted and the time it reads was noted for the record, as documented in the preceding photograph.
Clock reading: 8:59
